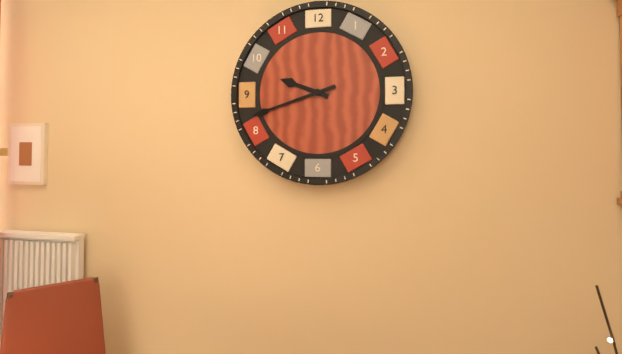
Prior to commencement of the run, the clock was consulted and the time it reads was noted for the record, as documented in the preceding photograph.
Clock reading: 9:42
